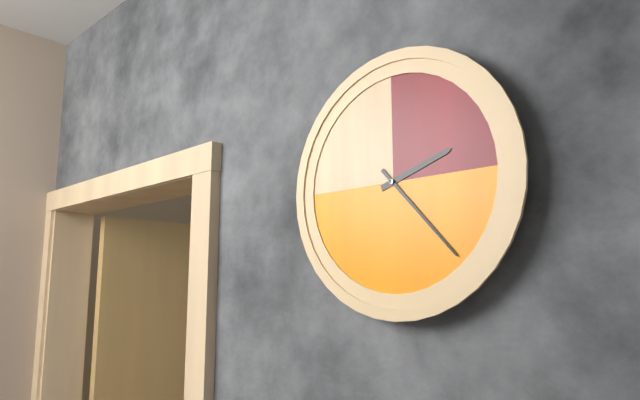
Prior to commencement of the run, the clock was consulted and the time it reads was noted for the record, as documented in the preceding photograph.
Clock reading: 2:23
